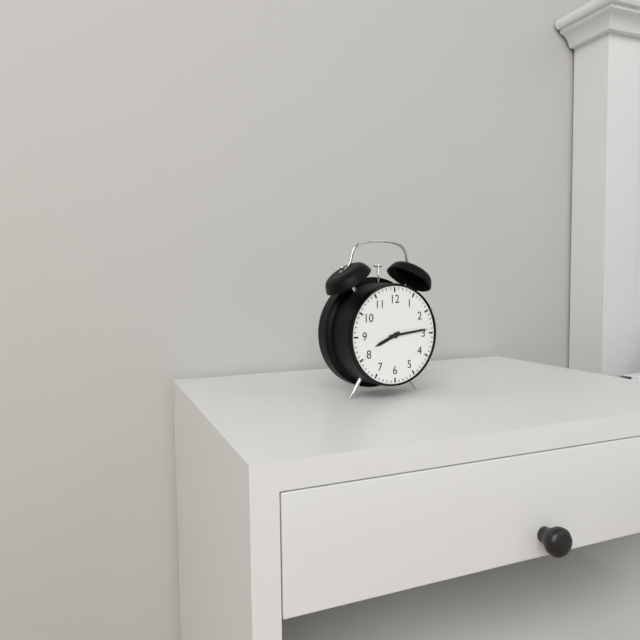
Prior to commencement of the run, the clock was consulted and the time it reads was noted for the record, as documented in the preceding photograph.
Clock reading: 8:14
